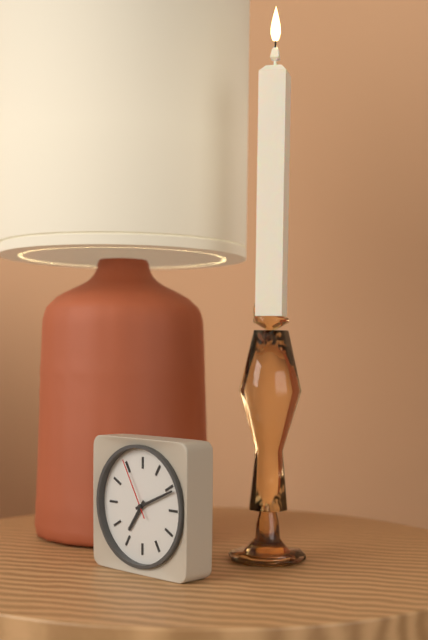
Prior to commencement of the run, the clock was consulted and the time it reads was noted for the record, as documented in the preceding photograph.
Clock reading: 7:11:55
